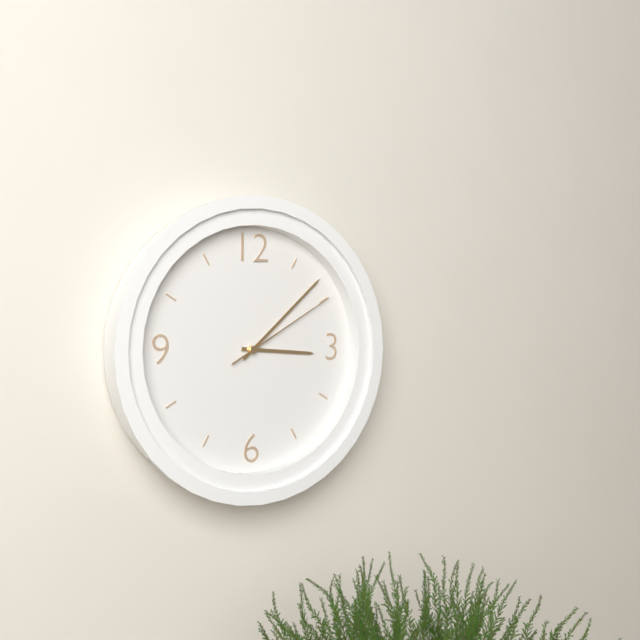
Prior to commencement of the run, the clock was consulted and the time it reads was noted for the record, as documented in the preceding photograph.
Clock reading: 3:08:10
